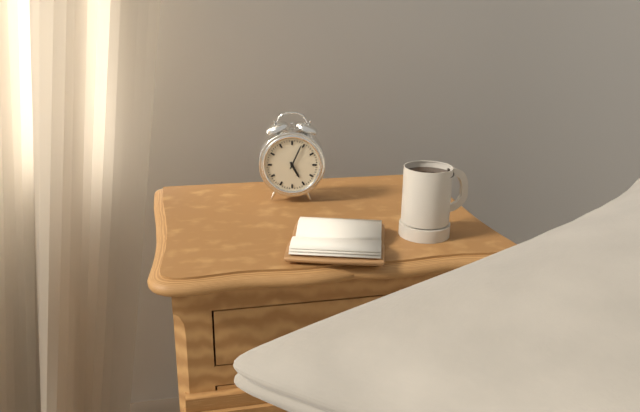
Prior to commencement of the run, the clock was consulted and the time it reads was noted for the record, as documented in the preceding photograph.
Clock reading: 5:04
